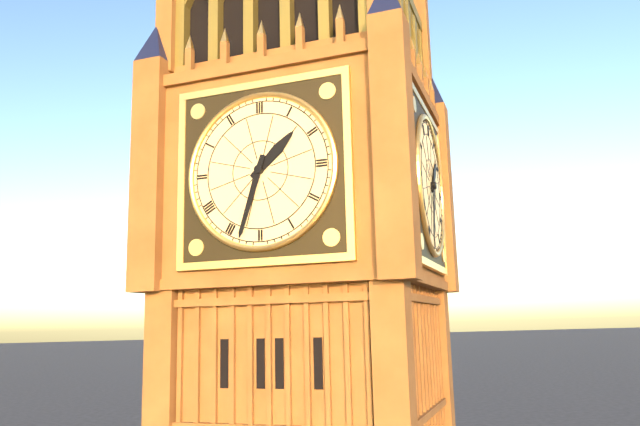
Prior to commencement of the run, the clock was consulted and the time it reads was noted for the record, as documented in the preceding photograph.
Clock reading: 1:33
